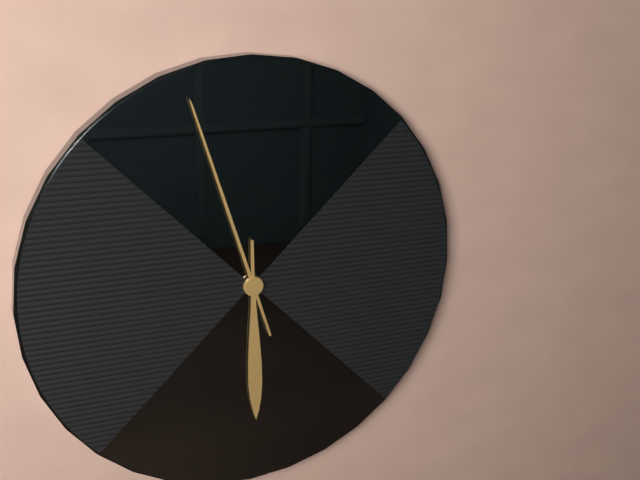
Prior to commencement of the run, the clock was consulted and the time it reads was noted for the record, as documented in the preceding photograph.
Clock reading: 5:57
